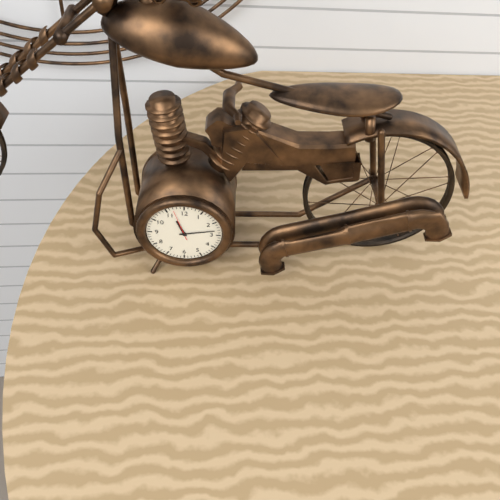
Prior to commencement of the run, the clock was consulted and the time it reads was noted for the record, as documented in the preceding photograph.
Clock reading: 11:13
